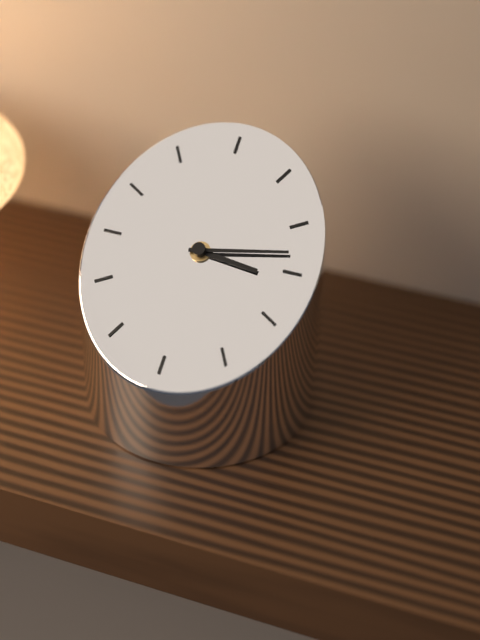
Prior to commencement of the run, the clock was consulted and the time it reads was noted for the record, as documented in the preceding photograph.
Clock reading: 3:13
